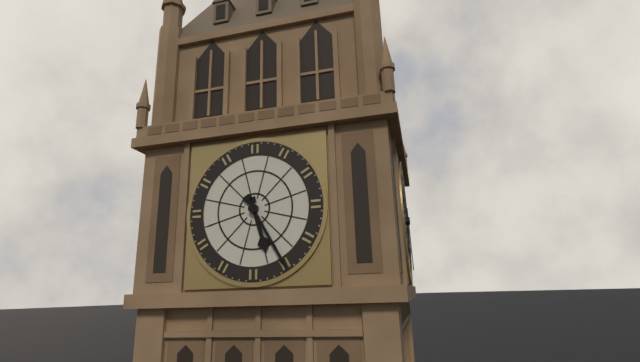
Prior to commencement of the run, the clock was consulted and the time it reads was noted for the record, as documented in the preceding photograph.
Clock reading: 5:25
